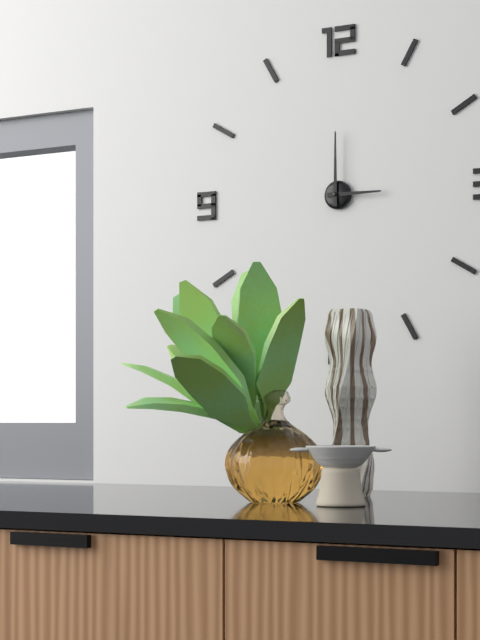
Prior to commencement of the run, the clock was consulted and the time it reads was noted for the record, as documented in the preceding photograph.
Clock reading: 3:00
